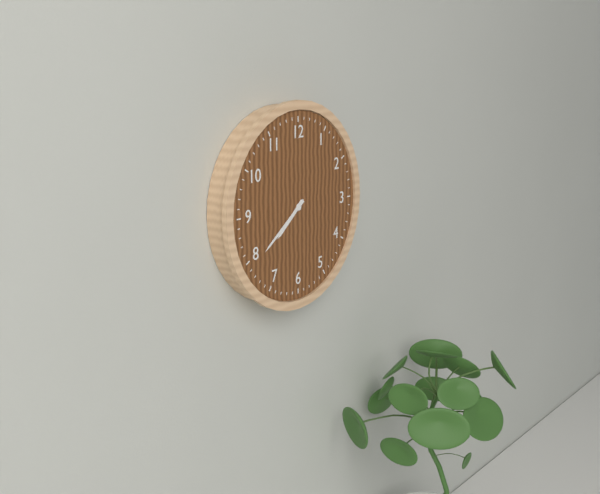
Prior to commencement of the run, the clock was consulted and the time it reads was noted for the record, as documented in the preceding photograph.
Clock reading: 7:39
